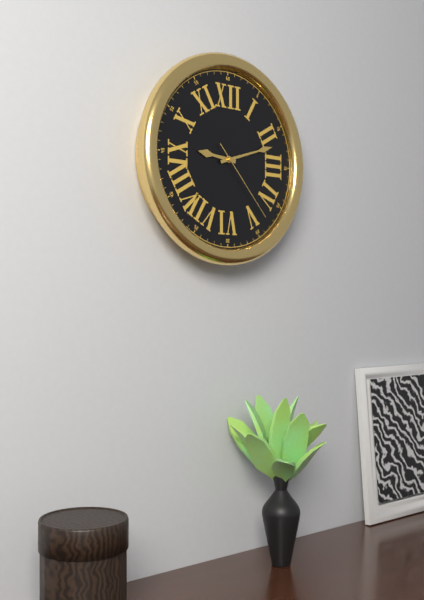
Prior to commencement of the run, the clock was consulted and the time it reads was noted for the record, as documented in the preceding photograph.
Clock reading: 9:12:23
